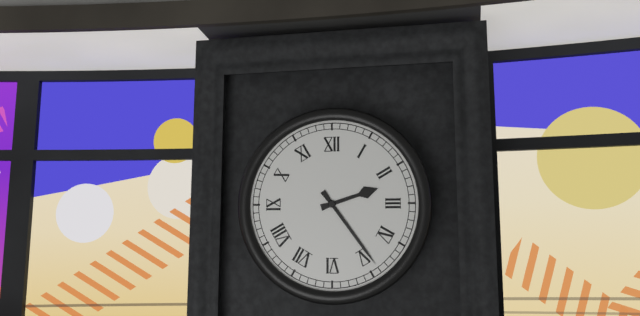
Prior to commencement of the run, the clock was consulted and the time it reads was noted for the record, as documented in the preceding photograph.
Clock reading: 2:24
